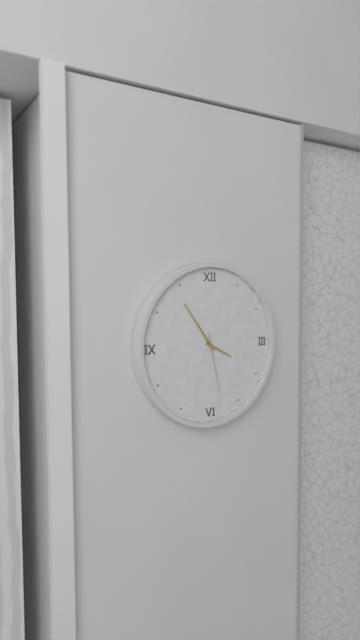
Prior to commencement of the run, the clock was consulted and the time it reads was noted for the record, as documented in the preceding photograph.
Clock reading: 3:54:28
